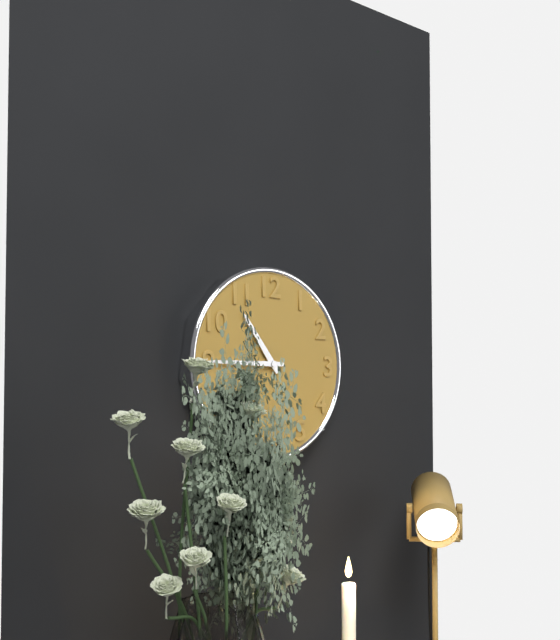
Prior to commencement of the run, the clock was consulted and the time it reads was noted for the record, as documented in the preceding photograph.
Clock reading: 10:45
